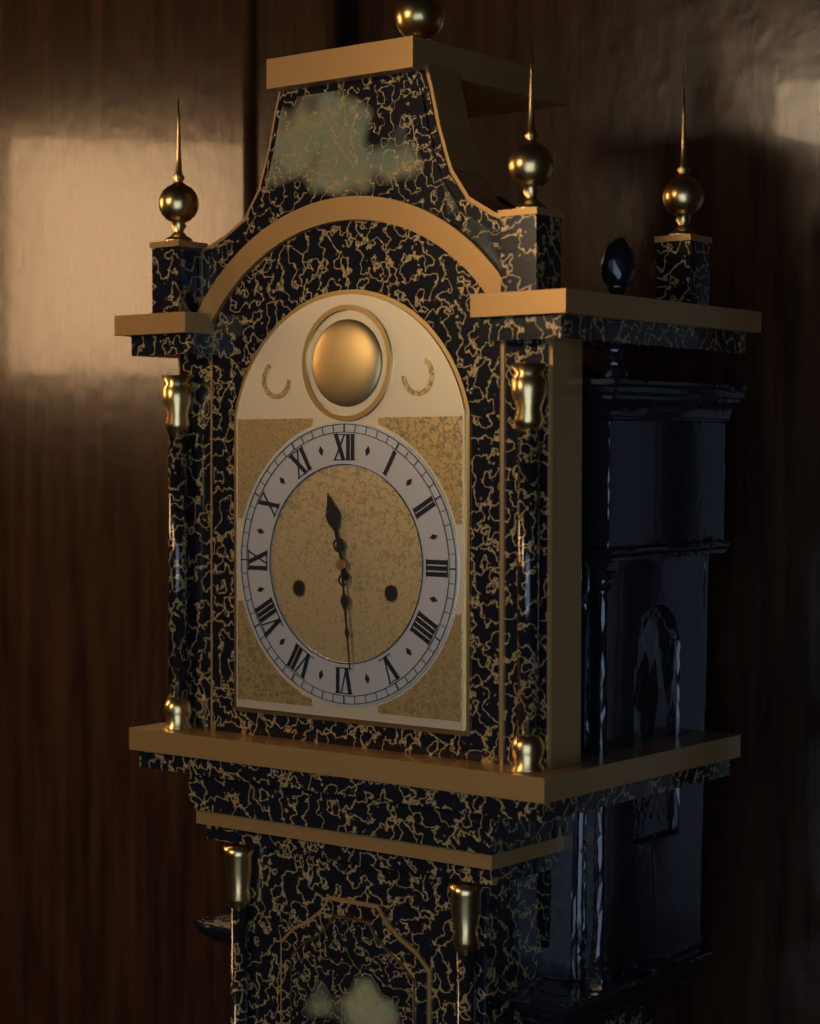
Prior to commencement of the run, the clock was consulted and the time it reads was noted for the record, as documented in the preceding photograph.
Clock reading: 11:29
